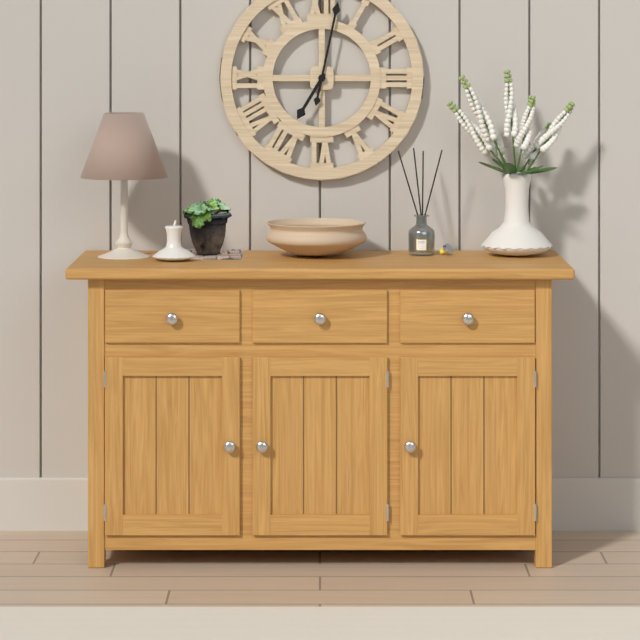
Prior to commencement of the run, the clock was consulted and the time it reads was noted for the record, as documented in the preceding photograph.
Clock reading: 7:02
